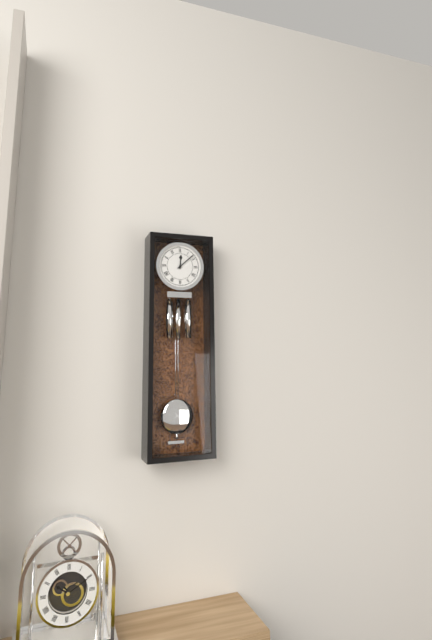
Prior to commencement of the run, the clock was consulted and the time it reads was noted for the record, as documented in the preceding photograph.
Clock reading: 12:08
